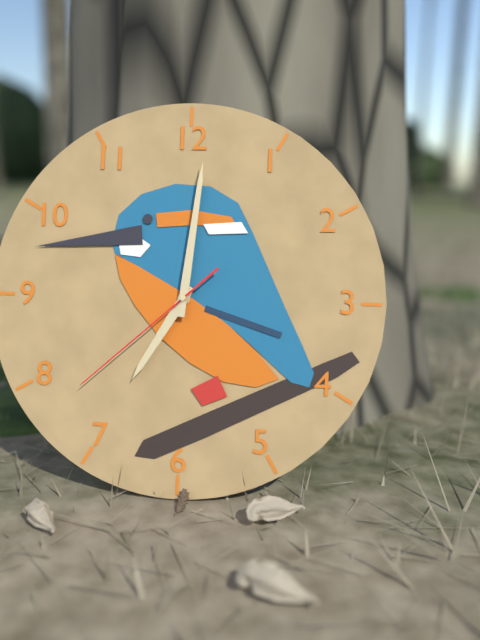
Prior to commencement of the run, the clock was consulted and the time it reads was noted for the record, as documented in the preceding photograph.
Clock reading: 7:01:38
